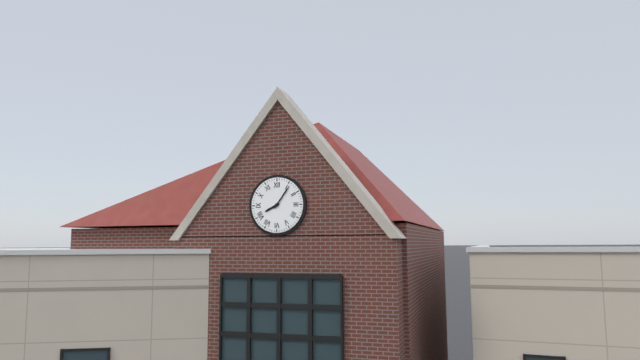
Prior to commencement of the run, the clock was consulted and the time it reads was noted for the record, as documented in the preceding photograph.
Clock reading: 8:06
